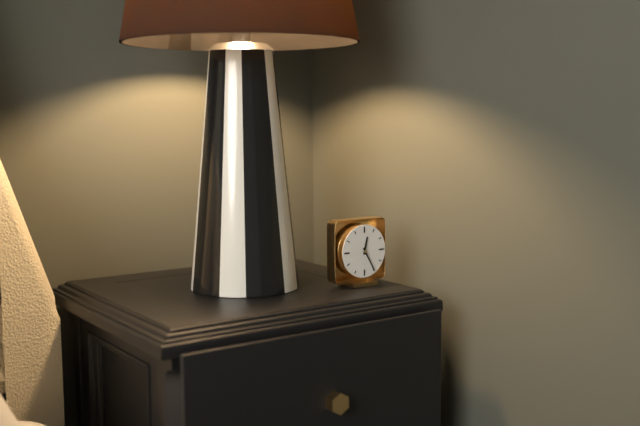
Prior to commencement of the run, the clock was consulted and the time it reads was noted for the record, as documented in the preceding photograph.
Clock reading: 12:25
